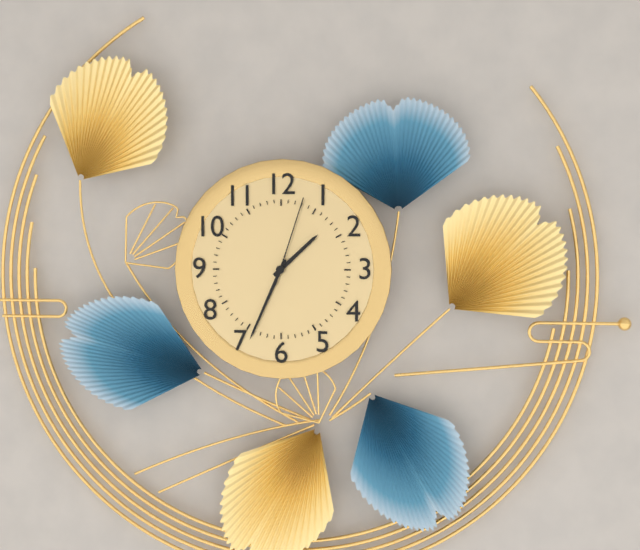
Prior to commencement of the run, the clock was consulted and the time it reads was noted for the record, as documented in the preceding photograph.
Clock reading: 1:34:03
